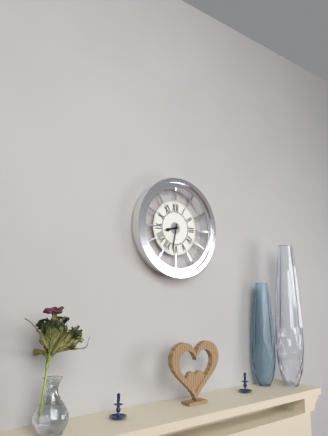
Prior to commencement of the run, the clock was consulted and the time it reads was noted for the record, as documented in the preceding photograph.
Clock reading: 8:32
